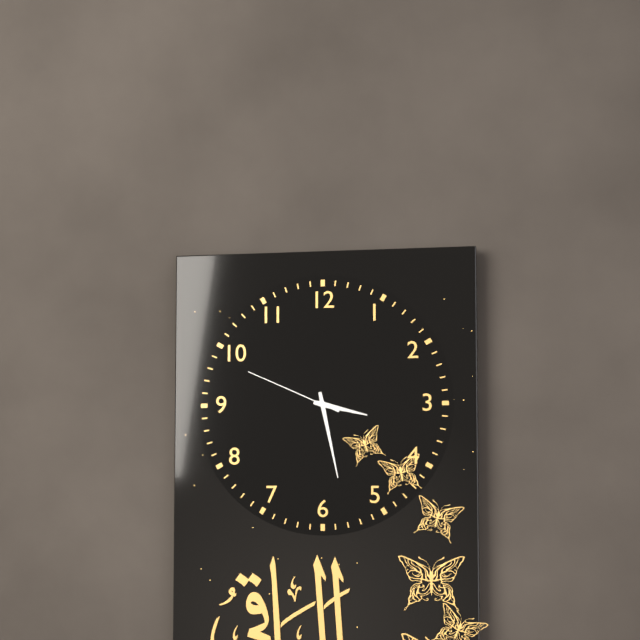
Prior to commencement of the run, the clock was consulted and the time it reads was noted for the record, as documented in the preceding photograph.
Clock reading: 3:28:49
